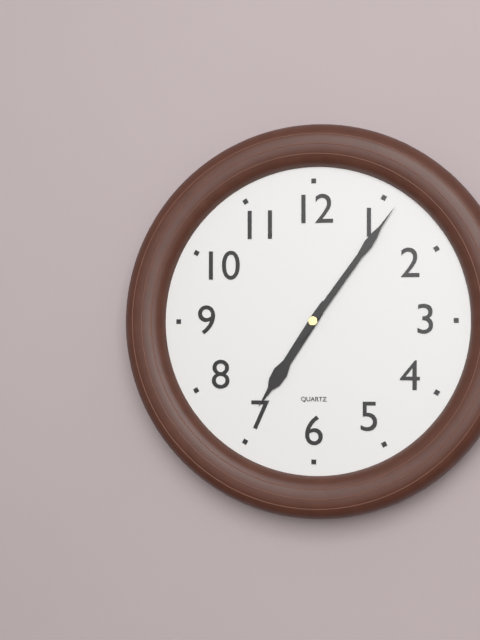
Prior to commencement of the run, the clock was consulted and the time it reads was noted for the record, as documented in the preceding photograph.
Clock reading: 7:06
